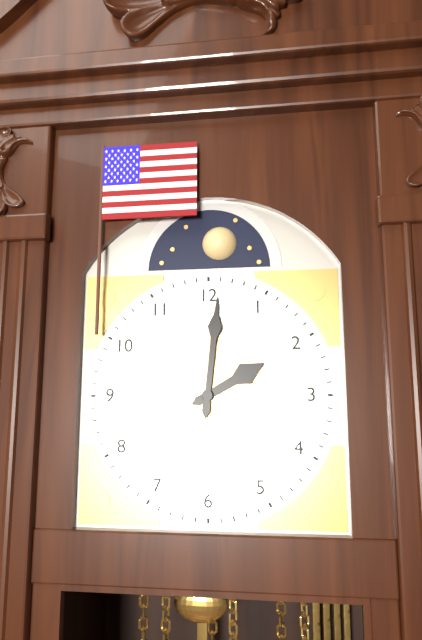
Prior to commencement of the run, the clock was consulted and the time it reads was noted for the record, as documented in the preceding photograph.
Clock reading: 2:01
